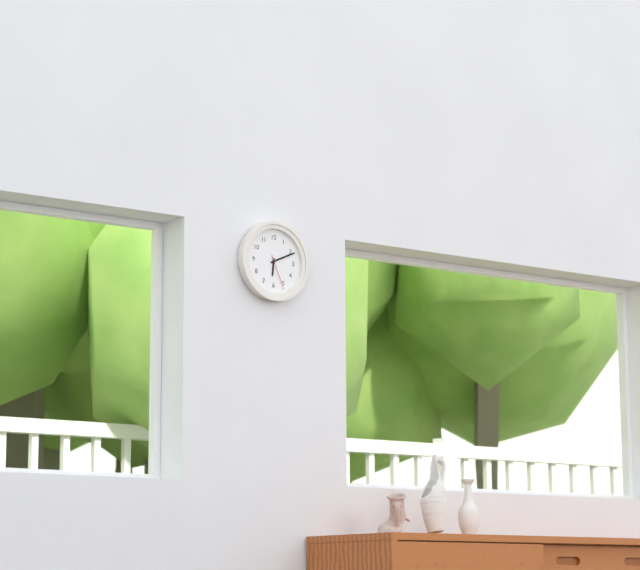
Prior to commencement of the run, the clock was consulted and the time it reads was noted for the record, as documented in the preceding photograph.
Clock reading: 6:11
